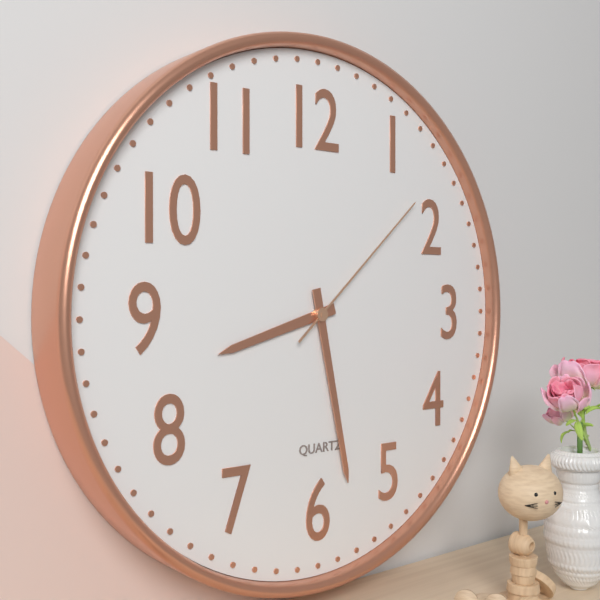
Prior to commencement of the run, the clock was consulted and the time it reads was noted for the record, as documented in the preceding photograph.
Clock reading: 8:28:08
